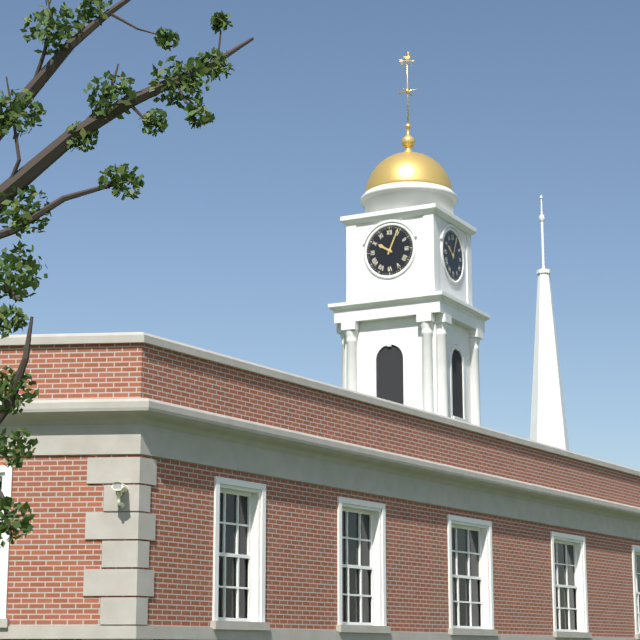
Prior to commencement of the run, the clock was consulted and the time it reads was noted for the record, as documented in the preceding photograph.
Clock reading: 10:04
